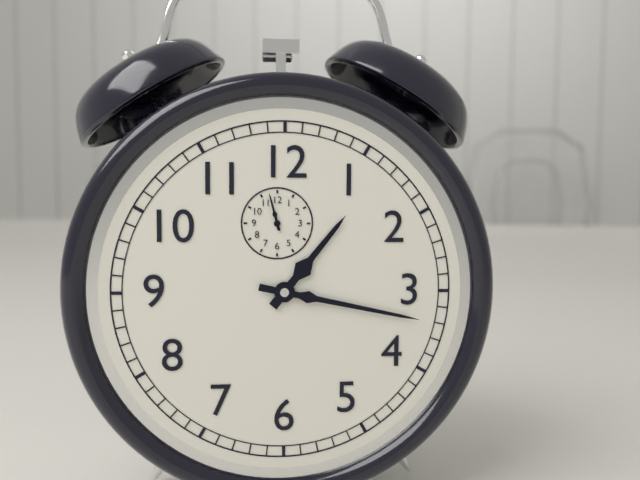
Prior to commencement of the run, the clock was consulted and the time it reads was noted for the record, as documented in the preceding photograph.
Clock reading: 1:17
